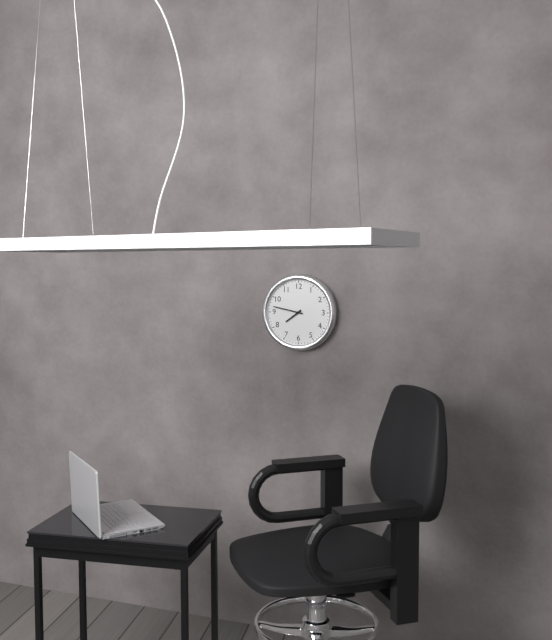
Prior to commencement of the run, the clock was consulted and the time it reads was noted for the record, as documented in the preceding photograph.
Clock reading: 7:47
